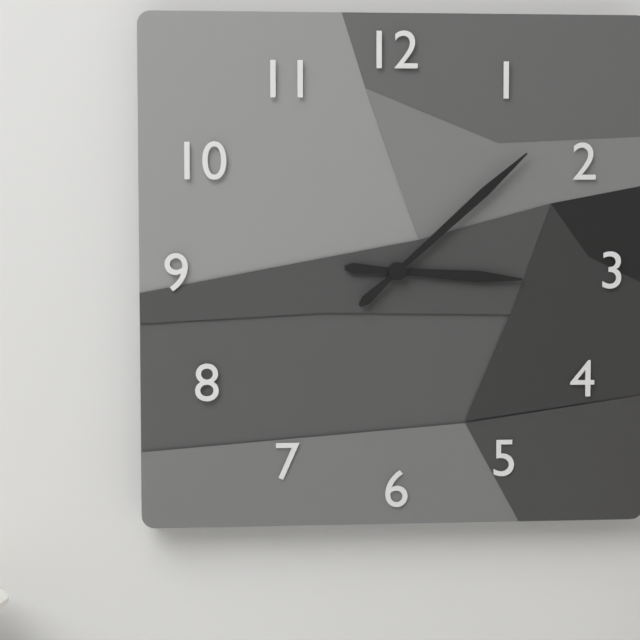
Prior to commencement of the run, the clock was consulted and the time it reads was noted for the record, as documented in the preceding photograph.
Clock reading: 3:08
